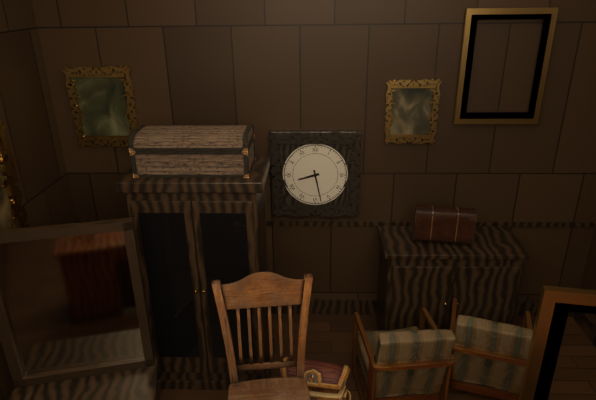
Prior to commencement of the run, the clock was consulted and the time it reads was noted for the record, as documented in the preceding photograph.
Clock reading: 8:28
